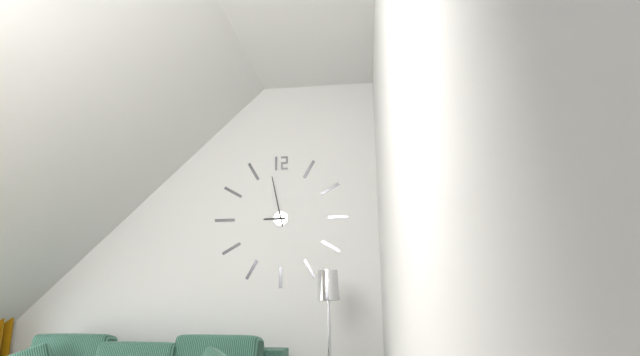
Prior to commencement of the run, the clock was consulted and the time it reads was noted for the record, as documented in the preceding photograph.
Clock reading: 8:58
